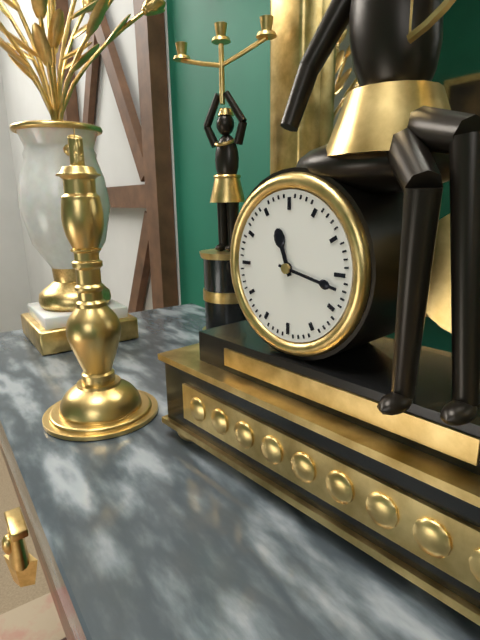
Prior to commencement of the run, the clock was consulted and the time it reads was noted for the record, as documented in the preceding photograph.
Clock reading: 11:17
